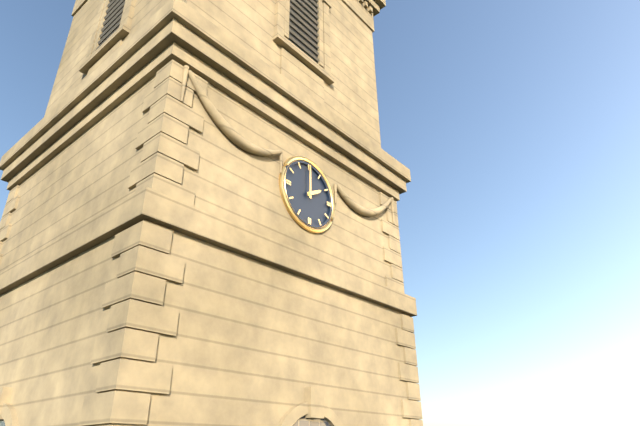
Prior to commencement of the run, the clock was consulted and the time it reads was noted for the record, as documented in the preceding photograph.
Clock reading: 2:00
